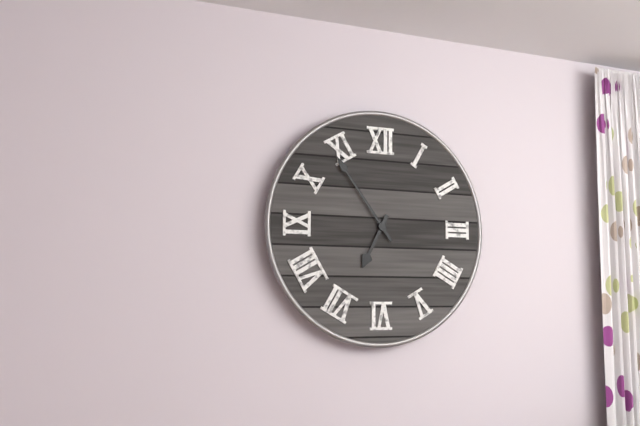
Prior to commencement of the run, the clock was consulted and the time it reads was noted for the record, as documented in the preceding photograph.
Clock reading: 6:54
